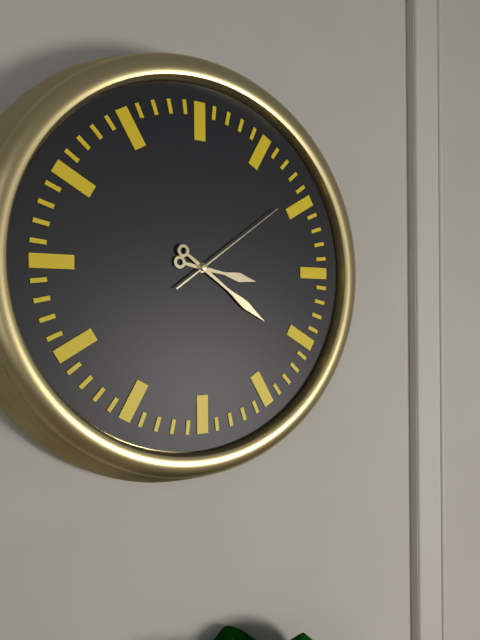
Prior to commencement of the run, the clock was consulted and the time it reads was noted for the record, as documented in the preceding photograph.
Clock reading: 3:21:09
